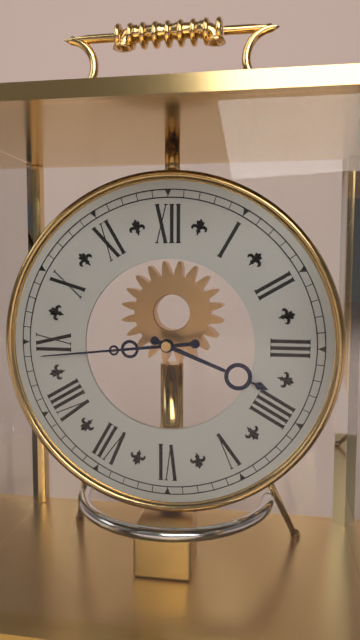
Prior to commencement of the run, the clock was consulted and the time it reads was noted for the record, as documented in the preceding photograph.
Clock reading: 3:44
